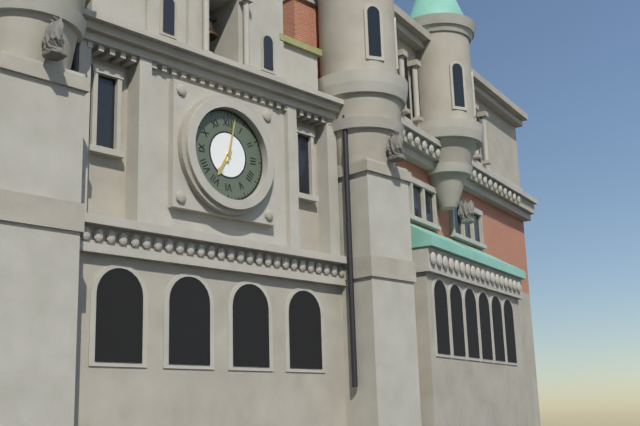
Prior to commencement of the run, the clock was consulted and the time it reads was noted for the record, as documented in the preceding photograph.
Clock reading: 7:02
